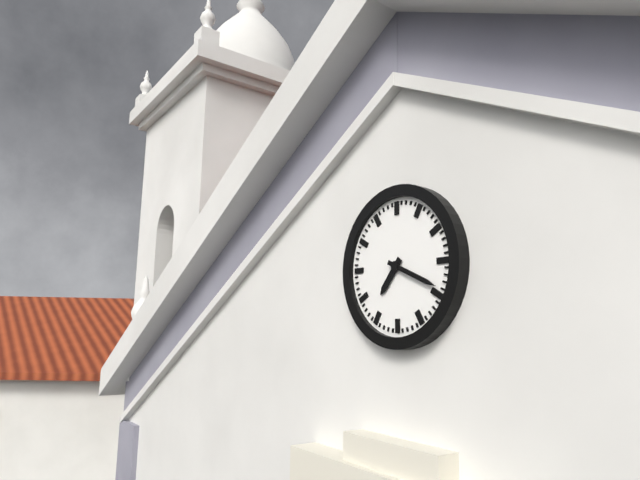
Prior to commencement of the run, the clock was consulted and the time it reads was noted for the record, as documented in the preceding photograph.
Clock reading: 7:19
